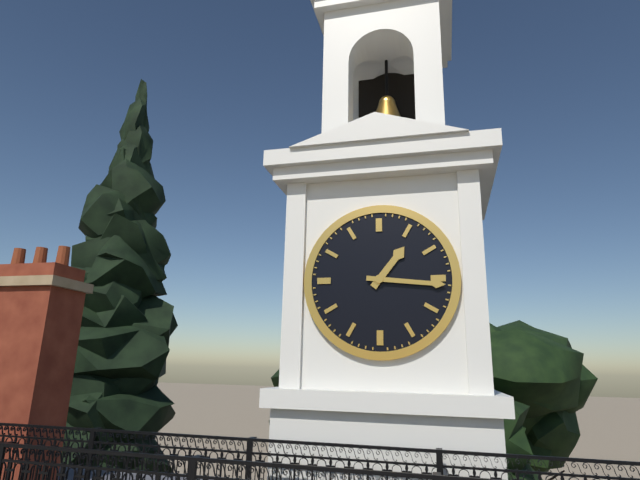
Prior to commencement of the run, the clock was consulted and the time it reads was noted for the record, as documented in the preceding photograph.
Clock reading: 1:16
